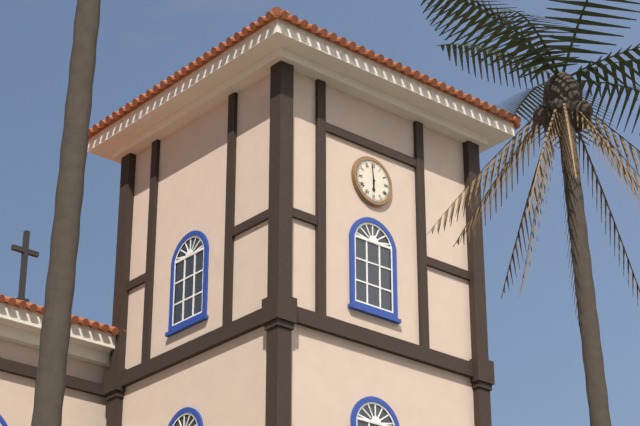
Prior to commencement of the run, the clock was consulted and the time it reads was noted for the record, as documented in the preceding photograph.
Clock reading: 5:59
